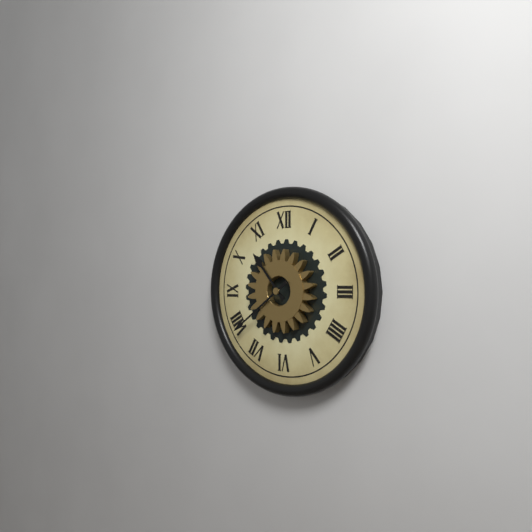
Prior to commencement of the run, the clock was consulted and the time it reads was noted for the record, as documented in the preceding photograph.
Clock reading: 10:39
